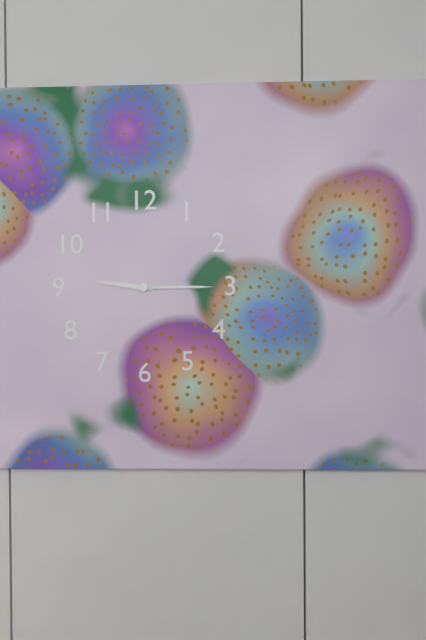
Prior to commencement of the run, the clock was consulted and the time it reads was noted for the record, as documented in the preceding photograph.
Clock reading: 9:15
